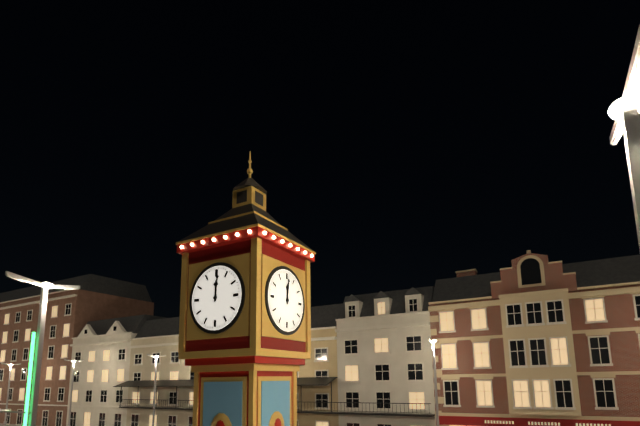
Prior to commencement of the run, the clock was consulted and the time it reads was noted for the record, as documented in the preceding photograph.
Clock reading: 12:01
